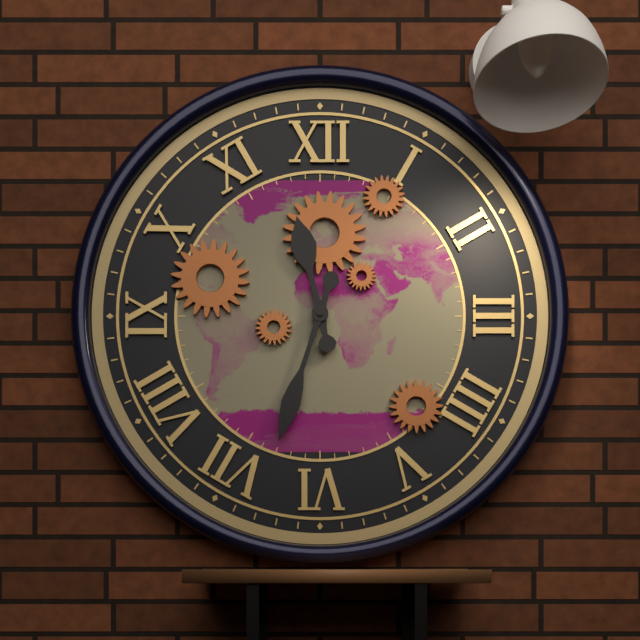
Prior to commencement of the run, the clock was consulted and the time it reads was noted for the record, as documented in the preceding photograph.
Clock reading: 11:33
